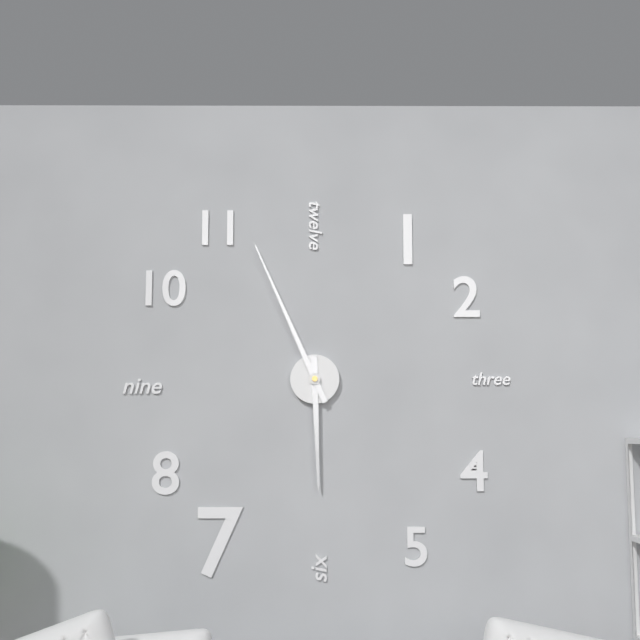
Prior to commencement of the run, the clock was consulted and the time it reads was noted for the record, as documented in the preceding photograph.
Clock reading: 5:56
